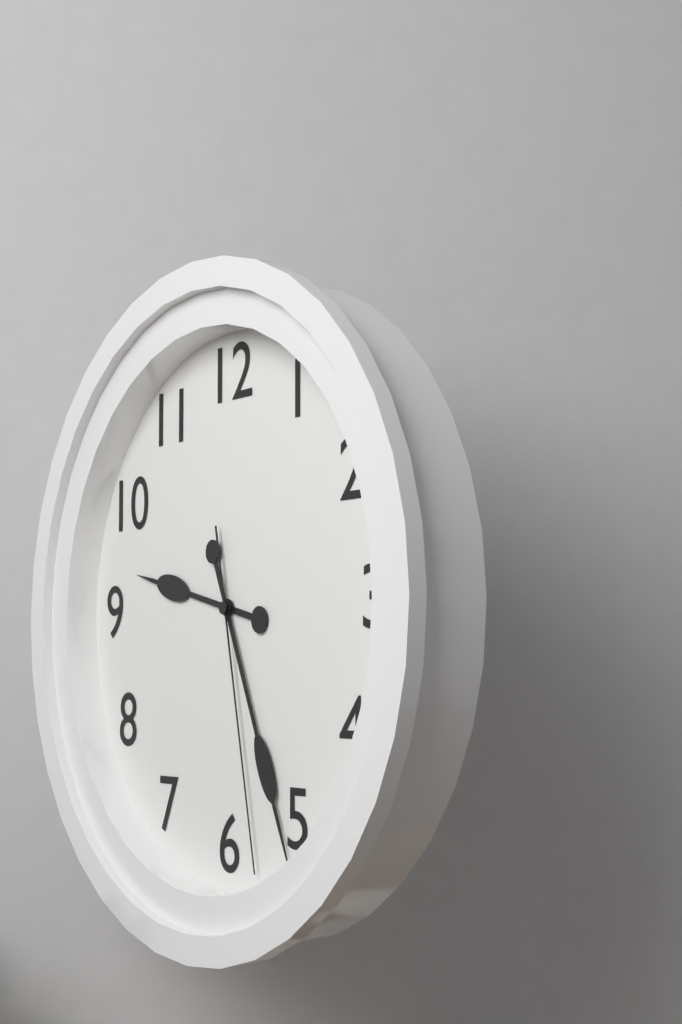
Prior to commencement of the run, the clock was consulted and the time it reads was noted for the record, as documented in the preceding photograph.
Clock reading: 9:26:28
